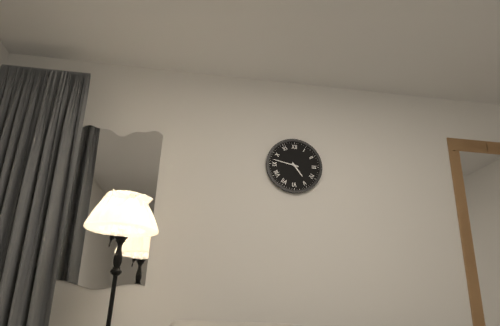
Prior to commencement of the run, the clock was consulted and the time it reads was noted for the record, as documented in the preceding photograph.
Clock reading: 4:47
